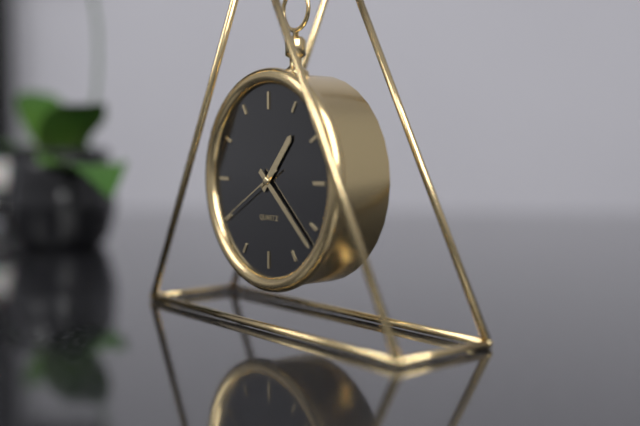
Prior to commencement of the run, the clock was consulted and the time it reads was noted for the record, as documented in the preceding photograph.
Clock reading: 1:22:40
